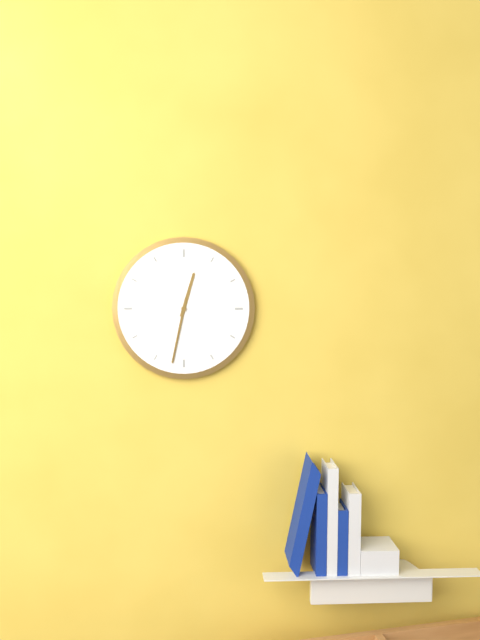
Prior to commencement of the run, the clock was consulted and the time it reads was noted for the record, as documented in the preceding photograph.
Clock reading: 12:32
